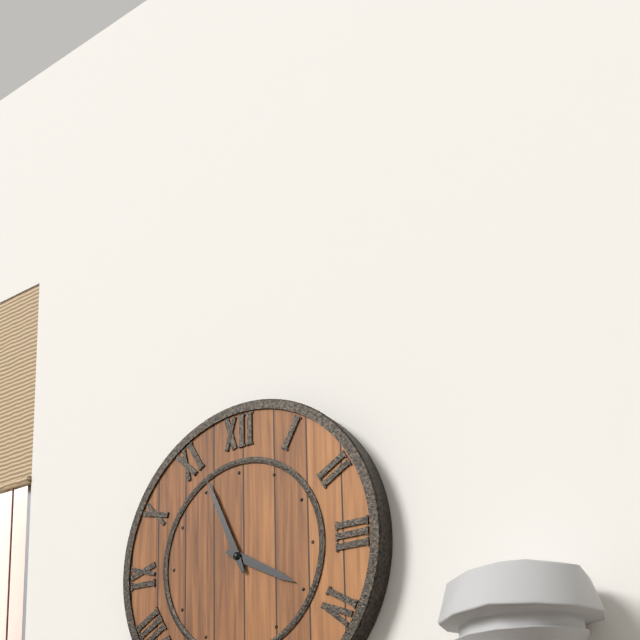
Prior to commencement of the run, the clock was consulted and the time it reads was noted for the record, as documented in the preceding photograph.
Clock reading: 3:56
